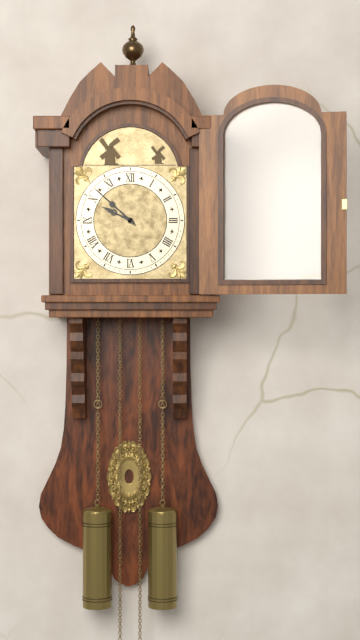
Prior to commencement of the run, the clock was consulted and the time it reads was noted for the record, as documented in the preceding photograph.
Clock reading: 9:52
